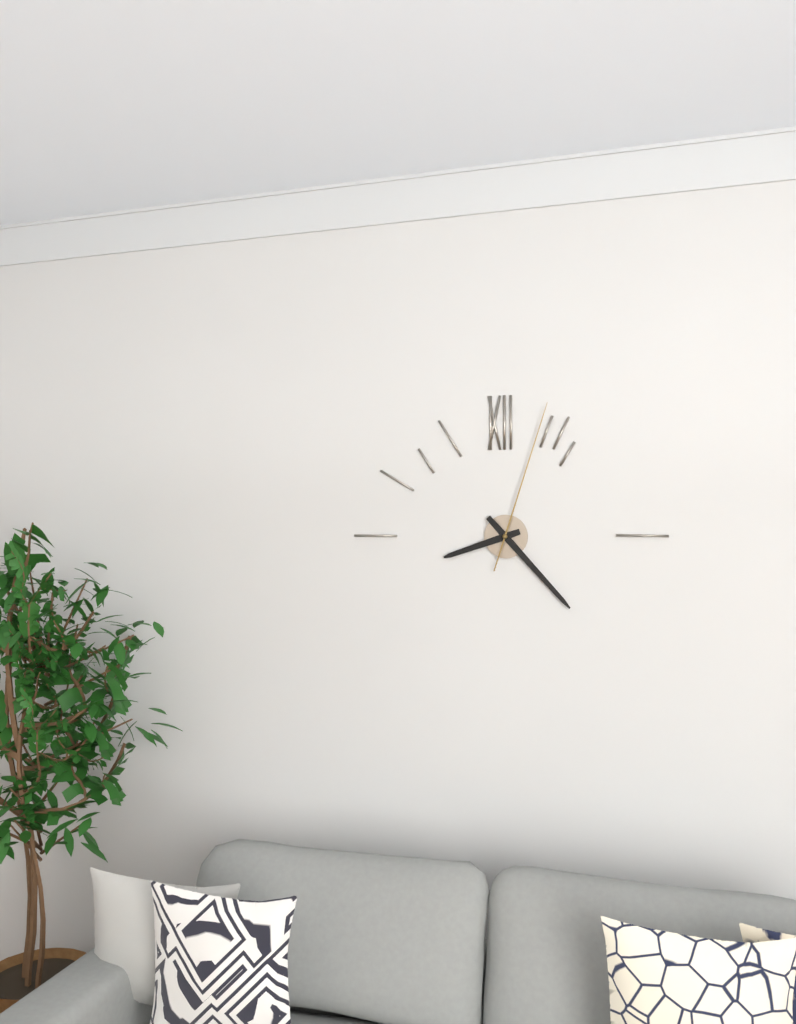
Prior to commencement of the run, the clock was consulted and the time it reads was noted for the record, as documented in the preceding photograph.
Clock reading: 8:23:03
